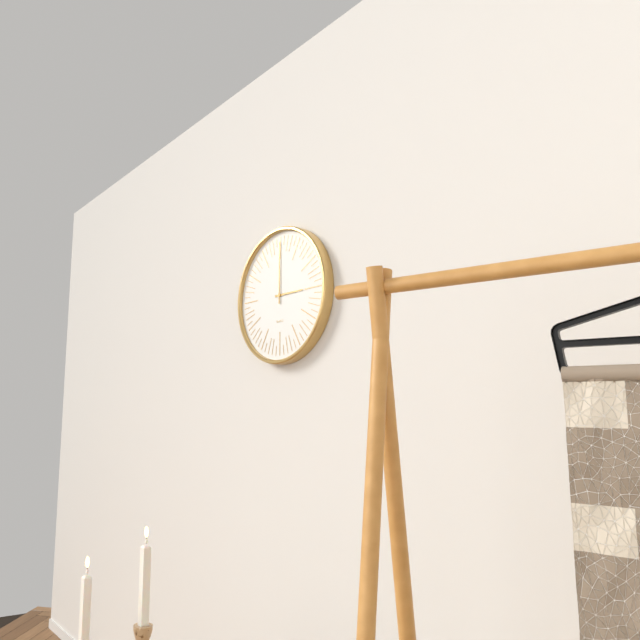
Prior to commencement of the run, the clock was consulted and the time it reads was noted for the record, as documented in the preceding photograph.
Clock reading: 3:00
